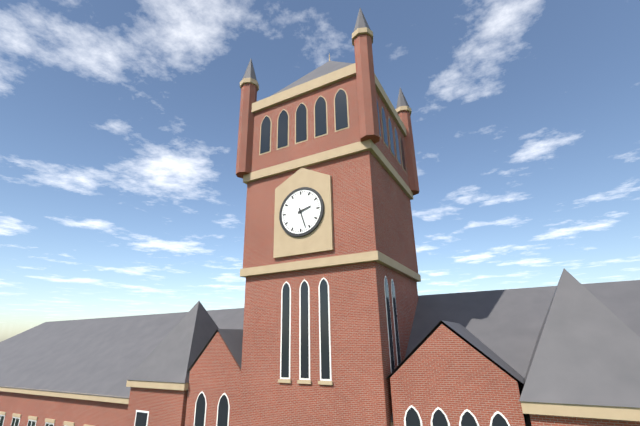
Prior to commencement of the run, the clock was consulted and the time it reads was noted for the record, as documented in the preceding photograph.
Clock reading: 2:27
